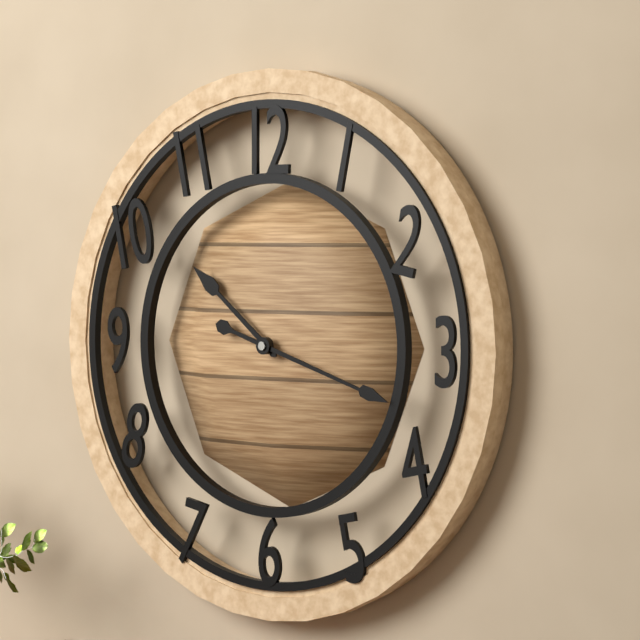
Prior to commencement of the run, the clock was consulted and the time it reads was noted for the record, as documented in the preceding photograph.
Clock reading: 10:18
